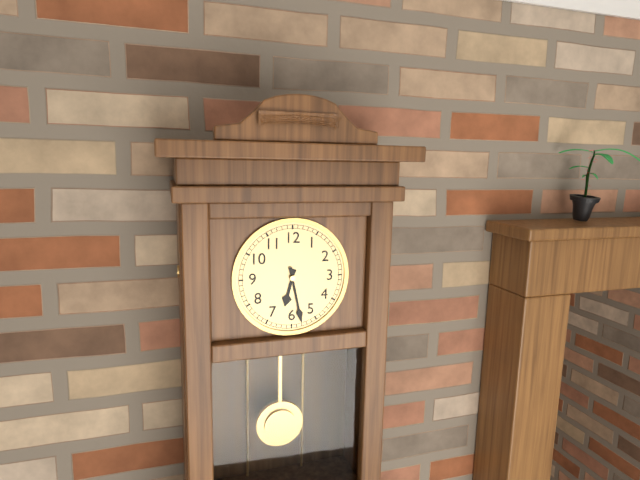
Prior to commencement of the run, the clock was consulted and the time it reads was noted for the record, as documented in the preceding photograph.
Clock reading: 6:28
